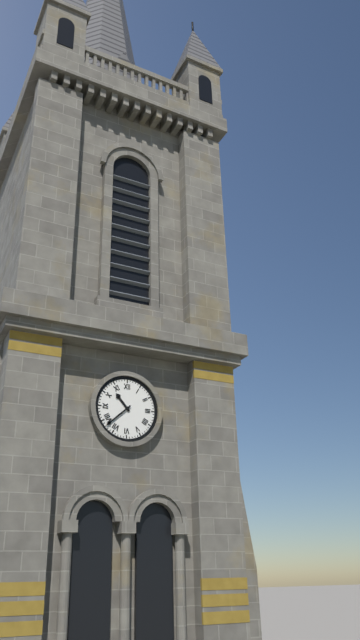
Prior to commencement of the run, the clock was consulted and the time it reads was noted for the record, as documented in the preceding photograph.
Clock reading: 10:38
